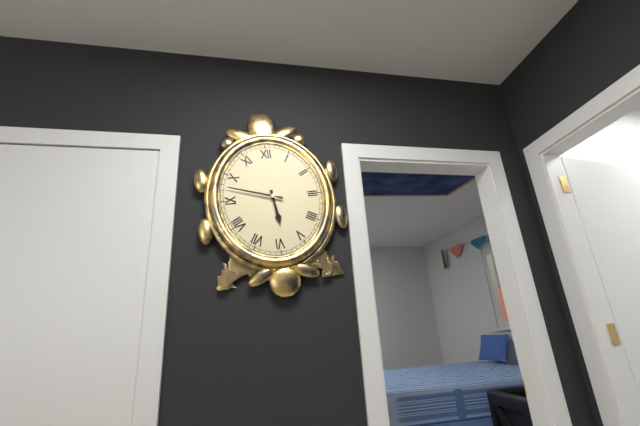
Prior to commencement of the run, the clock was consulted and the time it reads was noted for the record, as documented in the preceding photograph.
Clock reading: 5:48
